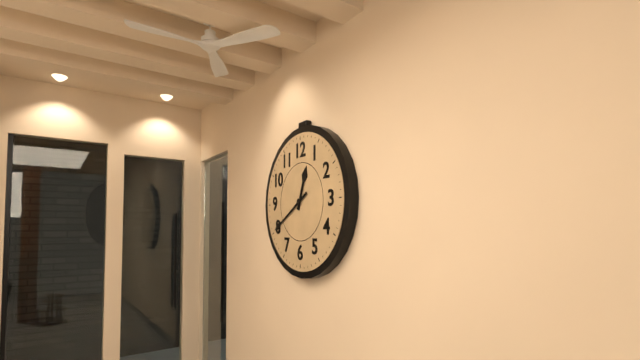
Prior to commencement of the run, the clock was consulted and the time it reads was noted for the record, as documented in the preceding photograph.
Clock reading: 12:40
